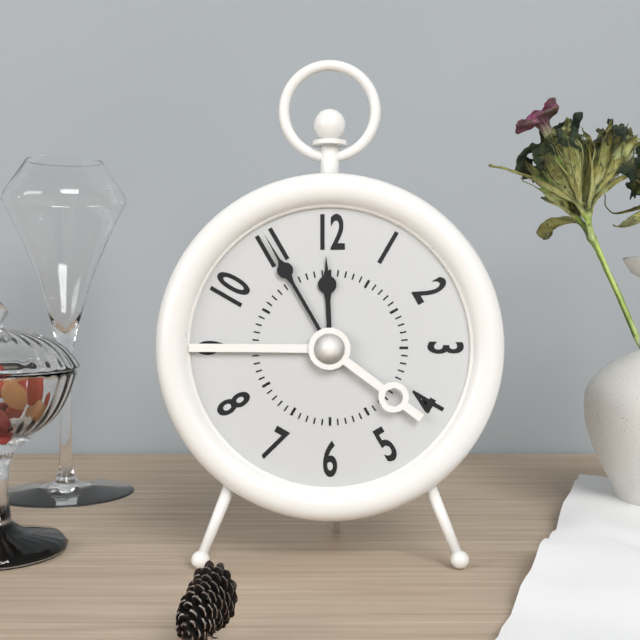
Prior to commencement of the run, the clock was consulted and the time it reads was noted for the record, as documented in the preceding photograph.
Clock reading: 11:55
